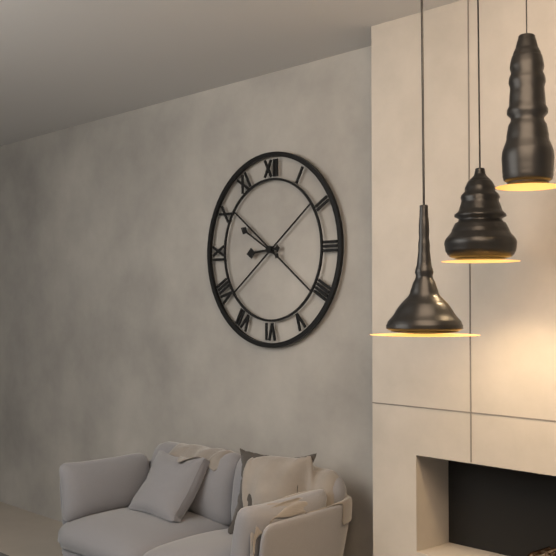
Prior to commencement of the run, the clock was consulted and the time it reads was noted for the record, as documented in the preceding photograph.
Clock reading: 8:50
